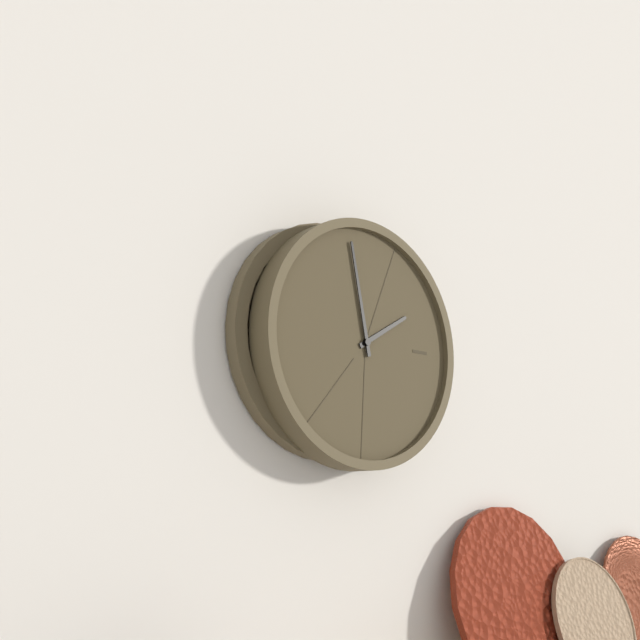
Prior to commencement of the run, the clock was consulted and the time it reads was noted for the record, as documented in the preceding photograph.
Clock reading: 1:58
